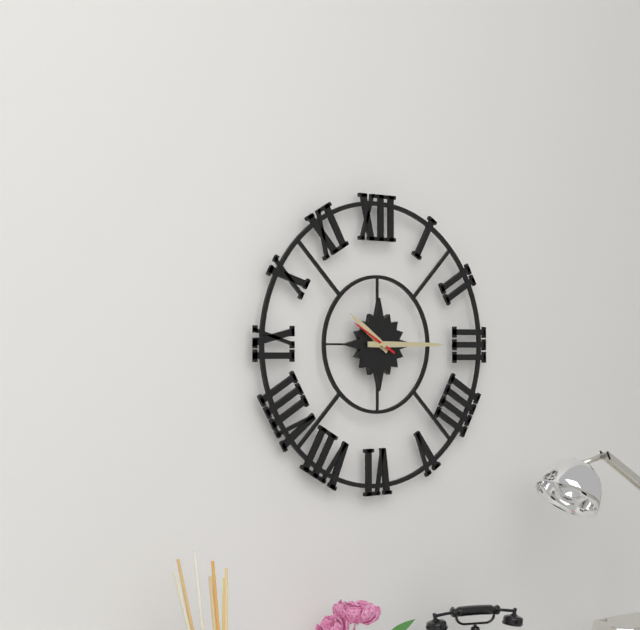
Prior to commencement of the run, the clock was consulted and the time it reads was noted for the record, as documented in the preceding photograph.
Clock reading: 10:15
